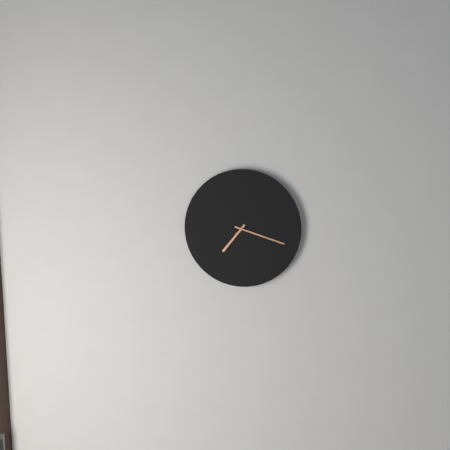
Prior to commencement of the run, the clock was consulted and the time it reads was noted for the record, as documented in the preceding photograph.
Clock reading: 7:18
